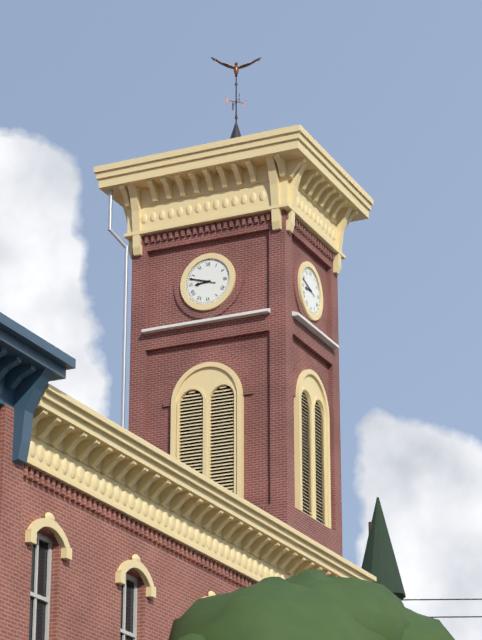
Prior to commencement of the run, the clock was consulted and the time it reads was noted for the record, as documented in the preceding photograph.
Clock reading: 8:48
